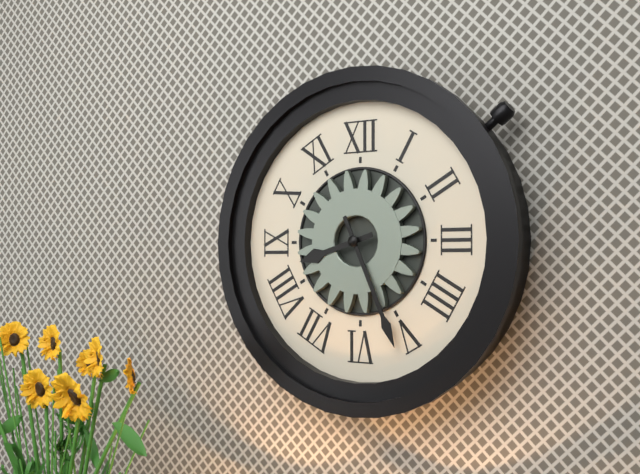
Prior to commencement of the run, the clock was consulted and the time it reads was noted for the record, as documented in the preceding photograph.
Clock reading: 8:26
